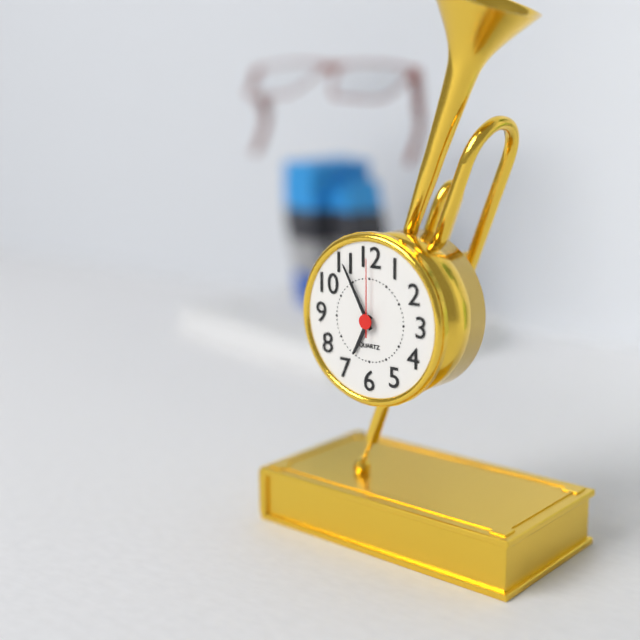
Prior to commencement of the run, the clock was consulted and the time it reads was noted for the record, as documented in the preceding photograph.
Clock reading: 6:55:00
